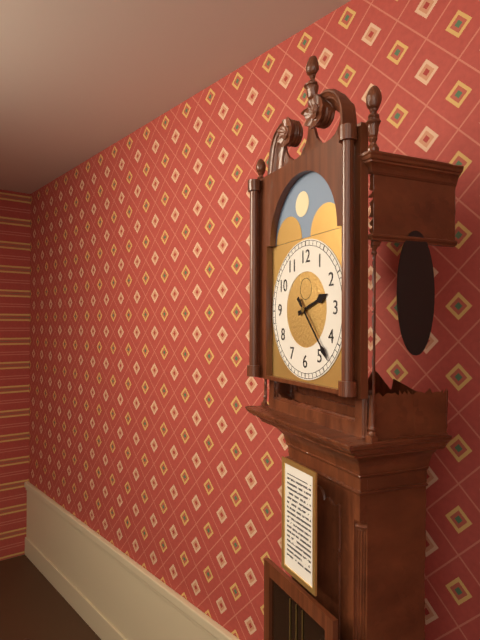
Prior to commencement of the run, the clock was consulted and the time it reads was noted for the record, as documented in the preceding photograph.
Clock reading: 2:23
